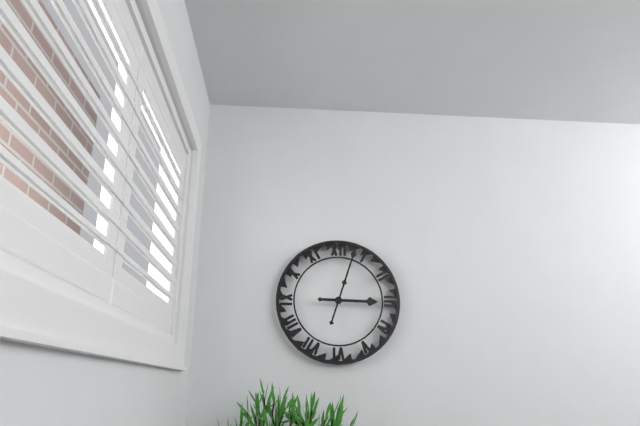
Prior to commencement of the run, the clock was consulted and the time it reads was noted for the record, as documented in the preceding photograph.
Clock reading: 3:03
